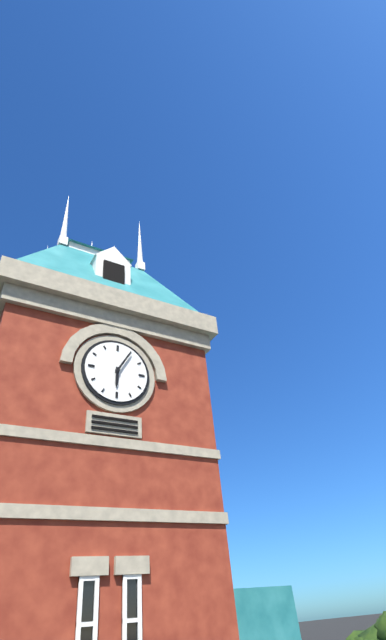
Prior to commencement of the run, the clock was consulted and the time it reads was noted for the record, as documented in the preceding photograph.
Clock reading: 6:05
